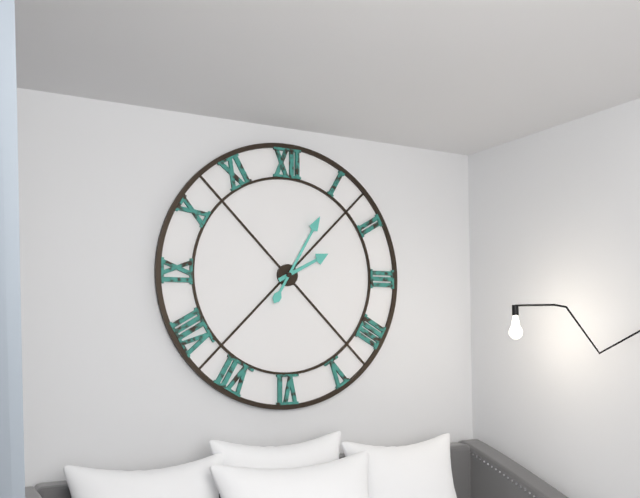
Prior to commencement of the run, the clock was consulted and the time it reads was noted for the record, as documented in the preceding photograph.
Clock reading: 2:05
